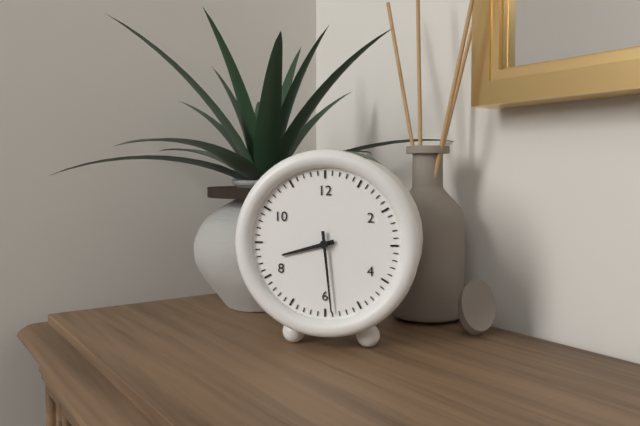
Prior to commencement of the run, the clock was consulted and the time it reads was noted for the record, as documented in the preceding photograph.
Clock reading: 8:29
